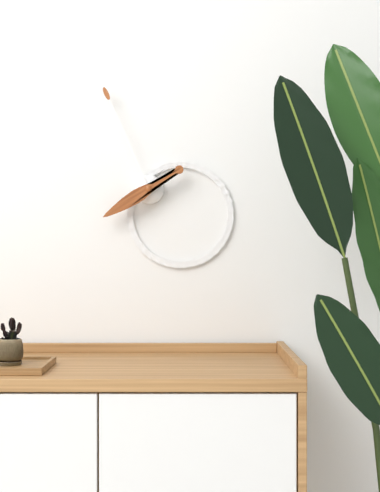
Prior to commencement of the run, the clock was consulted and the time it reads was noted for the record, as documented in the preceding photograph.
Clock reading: 7:56
